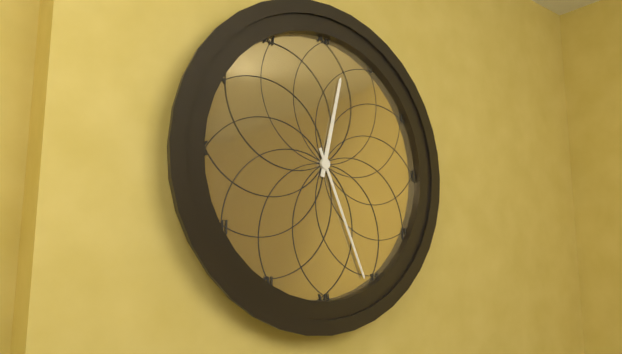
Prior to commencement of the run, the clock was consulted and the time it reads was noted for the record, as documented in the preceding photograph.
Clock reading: 12:26
